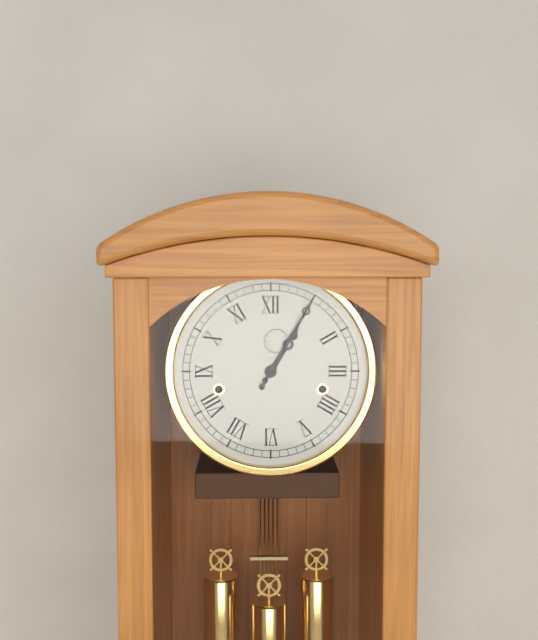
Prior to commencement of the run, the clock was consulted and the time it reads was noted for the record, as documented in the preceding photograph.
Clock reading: 1:05
